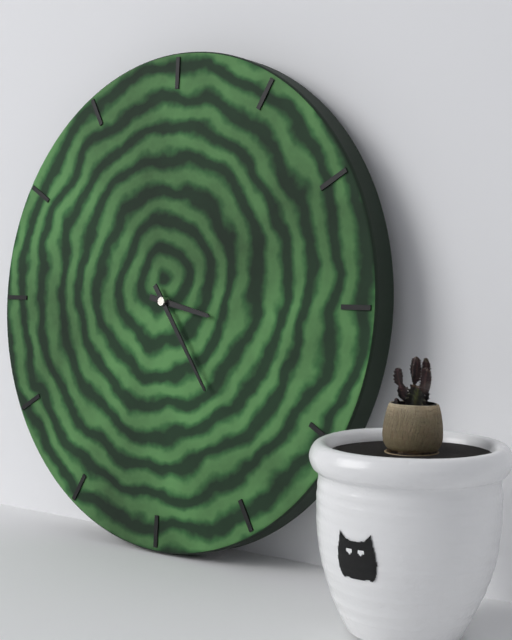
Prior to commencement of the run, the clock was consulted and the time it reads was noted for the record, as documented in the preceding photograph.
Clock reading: 3:24
